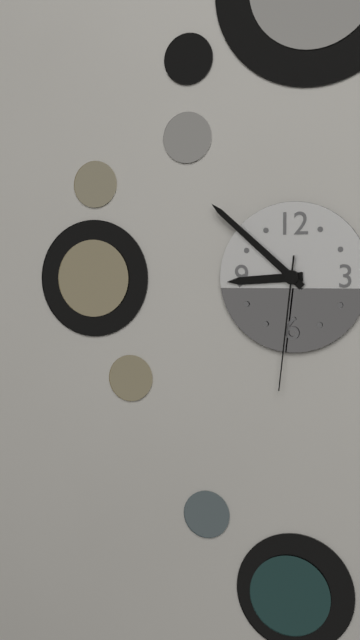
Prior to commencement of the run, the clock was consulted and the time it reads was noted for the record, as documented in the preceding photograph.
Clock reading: 8:52:31
